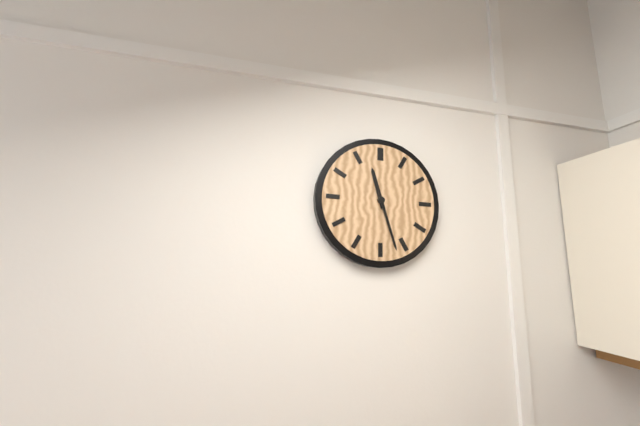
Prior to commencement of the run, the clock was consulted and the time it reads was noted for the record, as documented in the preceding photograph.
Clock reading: 11:27
